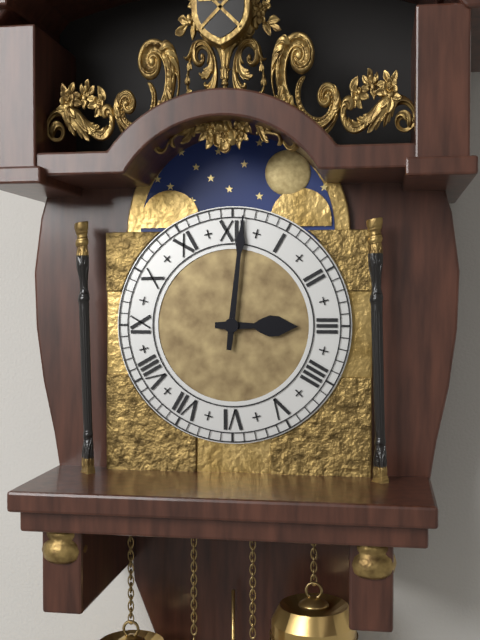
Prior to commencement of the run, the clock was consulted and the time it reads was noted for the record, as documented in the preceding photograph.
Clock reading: 3:01
